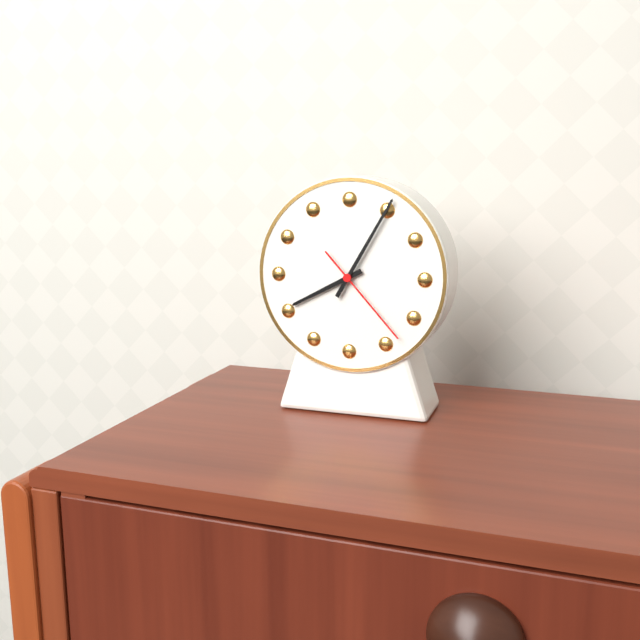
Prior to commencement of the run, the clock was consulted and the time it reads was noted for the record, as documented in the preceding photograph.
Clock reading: 8:05:23
